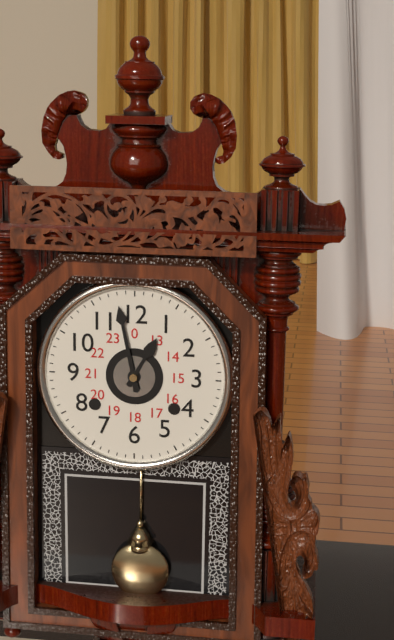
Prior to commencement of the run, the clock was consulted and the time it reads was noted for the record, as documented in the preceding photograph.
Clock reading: 12:58
